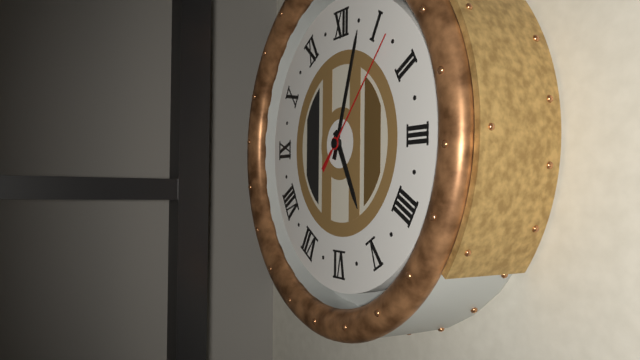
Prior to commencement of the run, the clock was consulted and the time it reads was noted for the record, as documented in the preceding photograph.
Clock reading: 5:03:07
